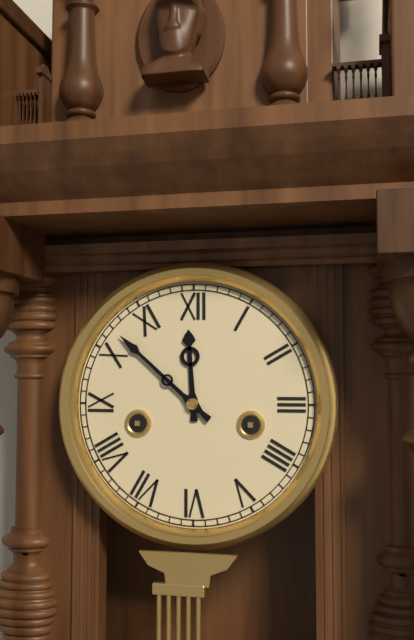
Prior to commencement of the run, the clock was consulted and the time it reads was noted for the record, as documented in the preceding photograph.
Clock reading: 11:52
